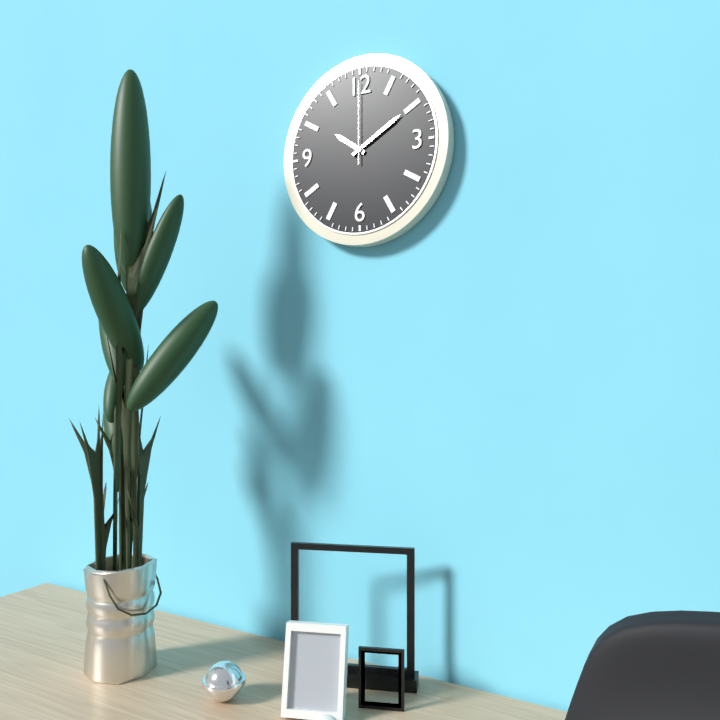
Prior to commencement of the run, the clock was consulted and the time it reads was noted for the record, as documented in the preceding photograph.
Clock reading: 10:10:00
